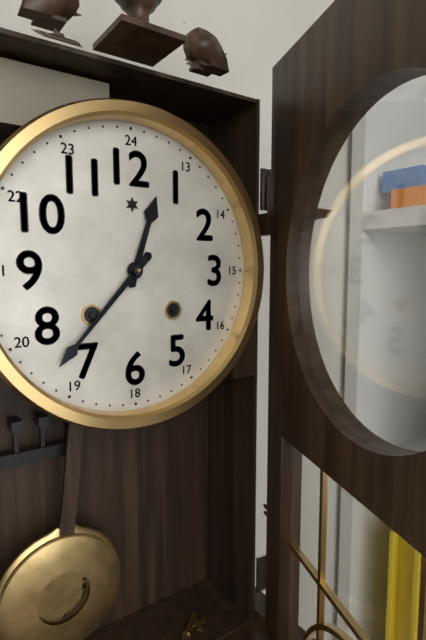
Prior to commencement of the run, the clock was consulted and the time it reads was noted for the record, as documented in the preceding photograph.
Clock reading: 12:37
